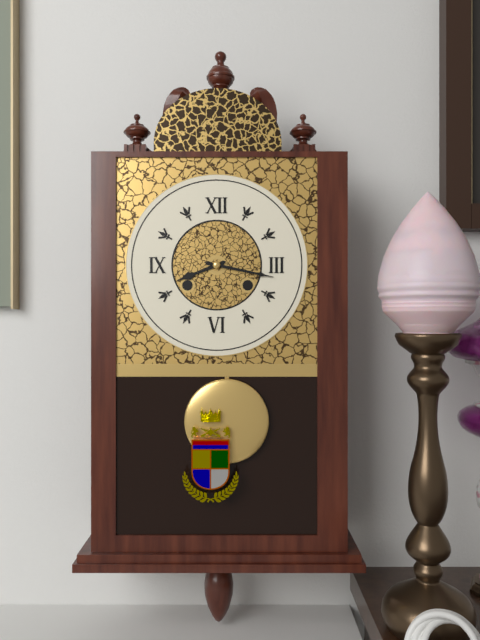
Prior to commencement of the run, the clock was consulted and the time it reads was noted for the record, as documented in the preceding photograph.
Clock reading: 8:17
